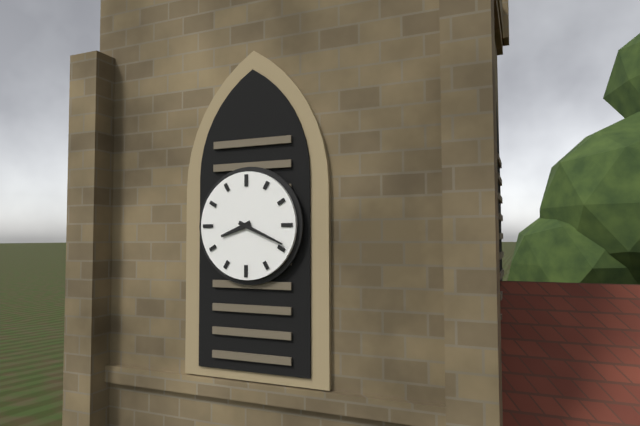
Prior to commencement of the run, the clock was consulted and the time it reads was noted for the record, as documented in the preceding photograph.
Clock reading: 8:19
